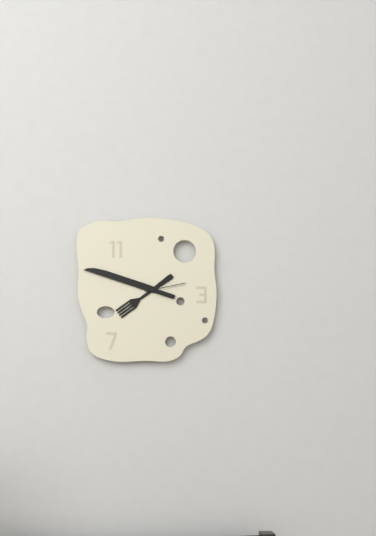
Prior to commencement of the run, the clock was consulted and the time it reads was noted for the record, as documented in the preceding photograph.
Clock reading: 7:48
